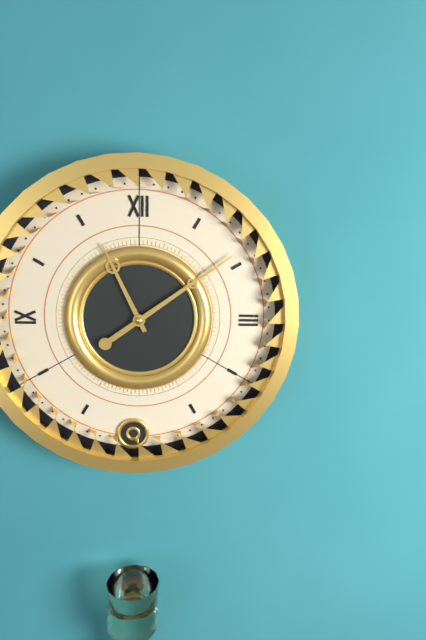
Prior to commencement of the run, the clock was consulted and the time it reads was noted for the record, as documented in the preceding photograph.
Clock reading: 11:09
